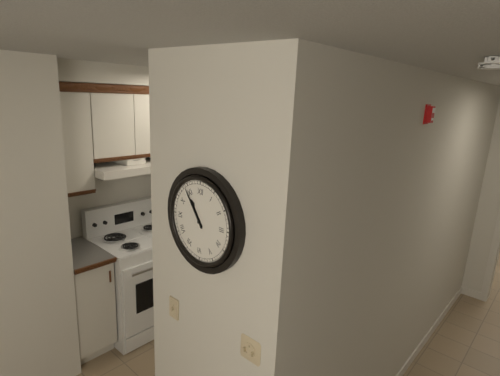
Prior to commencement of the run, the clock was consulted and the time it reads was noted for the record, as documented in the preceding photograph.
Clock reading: 10:54
